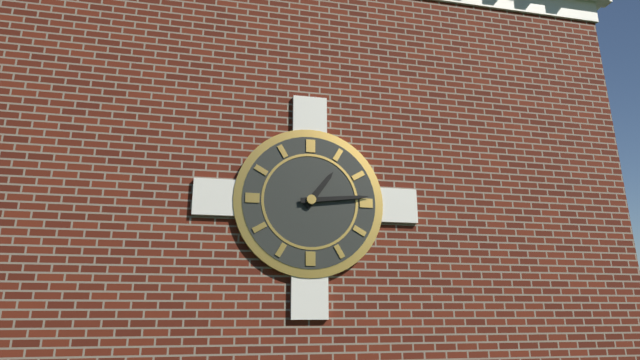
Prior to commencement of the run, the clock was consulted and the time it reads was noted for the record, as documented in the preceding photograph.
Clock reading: 1:14
